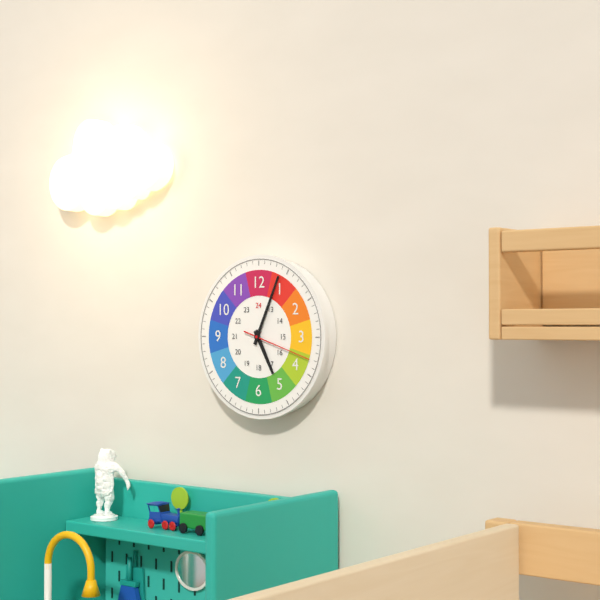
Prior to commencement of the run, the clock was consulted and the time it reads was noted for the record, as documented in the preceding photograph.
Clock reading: 5:04:18
